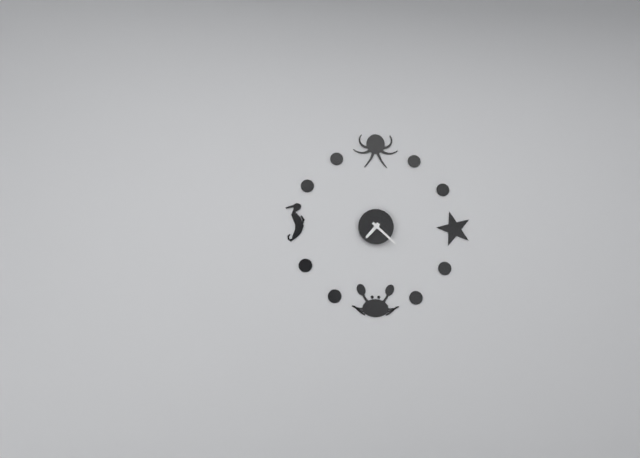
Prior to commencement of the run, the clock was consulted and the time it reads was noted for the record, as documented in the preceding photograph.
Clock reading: 7:22
